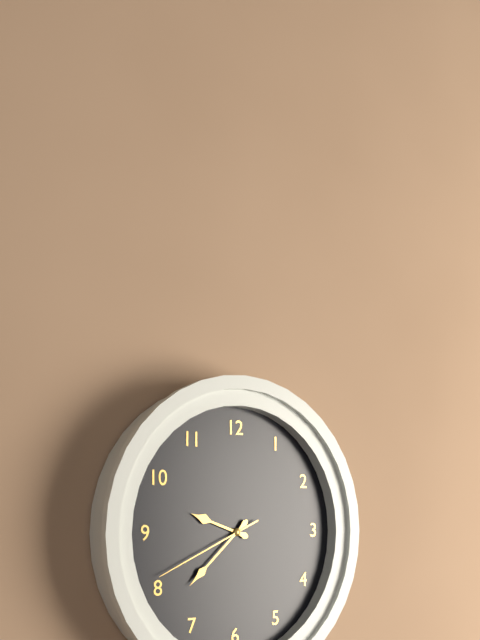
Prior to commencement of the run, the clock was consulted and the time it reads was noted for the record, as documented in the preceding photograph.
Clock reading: 9:38:41
